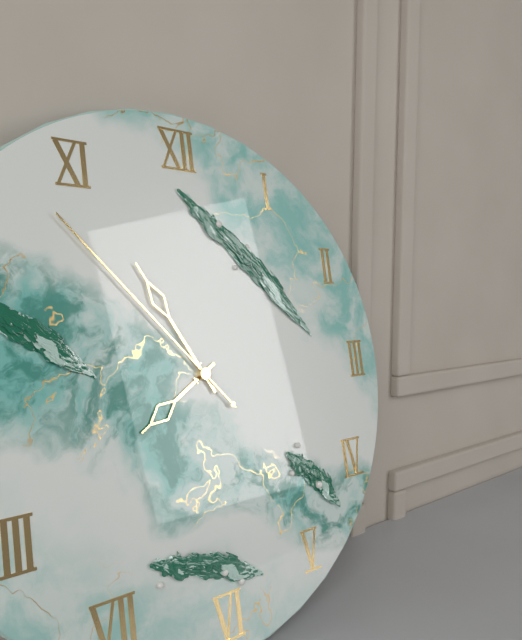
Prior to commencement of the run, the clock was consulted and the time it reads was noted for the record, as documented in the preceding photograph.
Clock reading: 7:55:53
